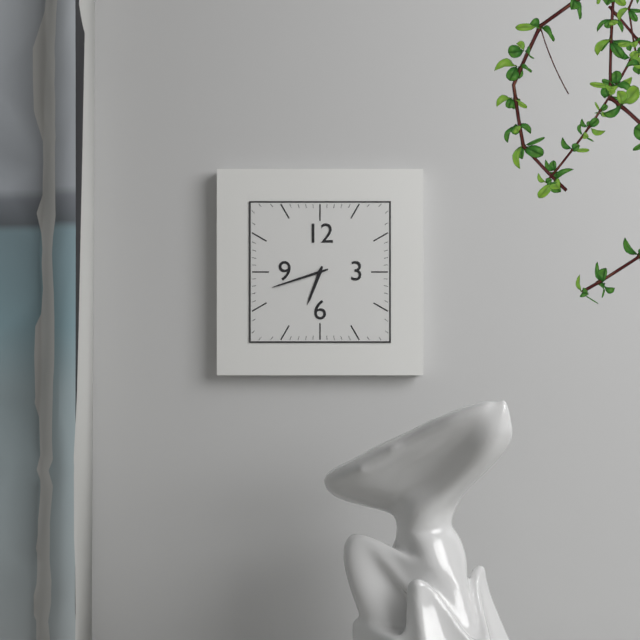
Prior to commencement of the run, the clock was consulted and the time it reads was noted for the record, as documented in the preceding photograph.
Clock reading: 6:42
